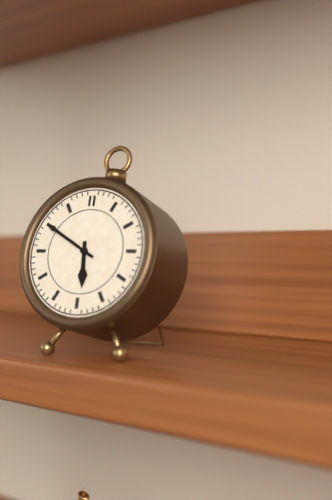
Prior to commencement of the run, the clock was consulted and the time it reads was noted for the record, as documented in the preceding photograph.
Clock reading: 5:50
